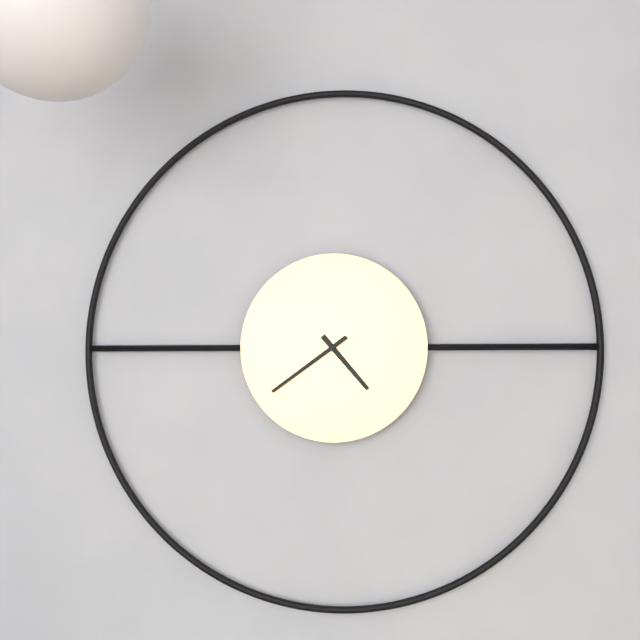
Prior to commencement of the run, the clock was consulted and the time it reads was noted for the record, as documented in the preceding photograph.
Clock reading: 4:39
